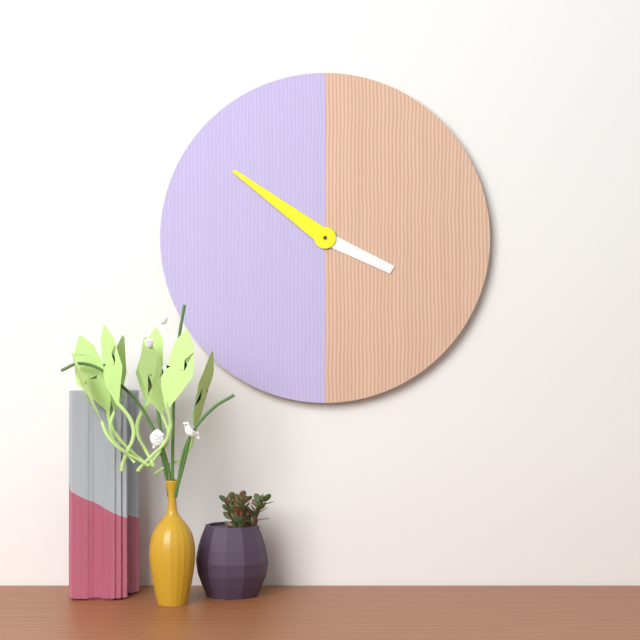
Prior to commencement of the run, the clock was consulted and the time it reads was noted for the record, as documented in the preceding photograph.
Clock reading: 3:51
